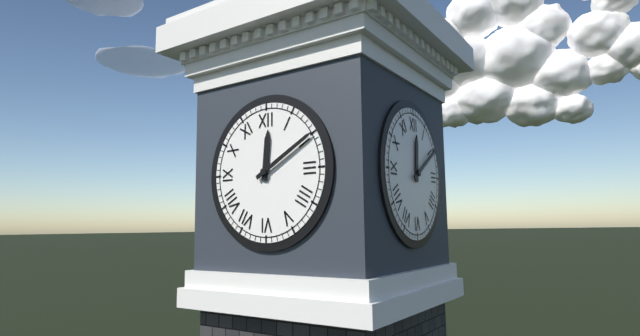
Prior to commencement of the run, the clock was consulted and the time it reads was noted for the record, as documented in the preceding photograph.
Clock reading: 12:10
